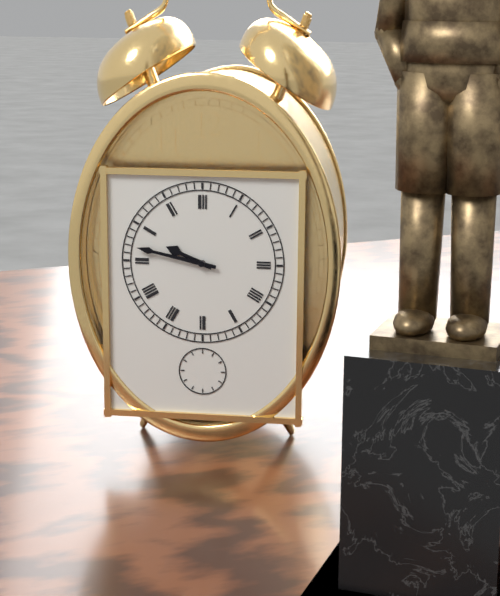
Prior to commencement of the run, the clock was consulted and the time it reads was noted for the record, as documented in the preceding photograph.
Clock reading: 9:47
